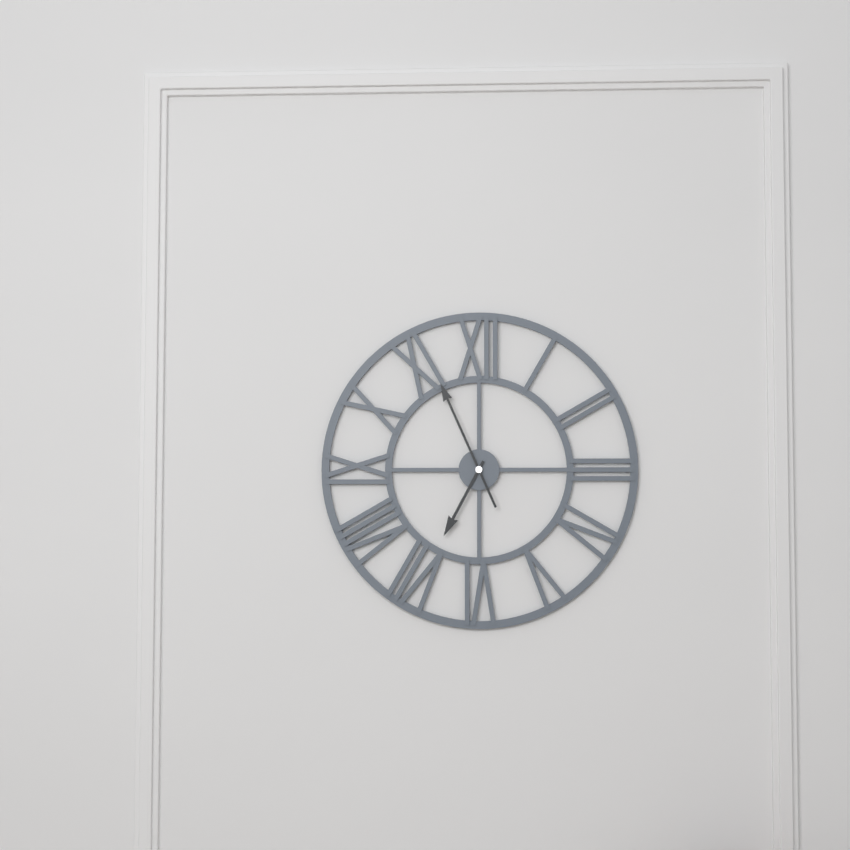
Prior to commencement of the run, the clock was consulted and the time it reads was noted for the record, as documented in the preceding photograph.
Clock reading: 6:56
